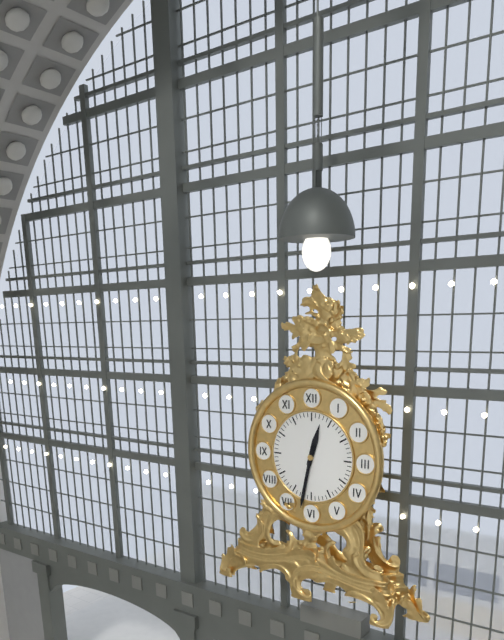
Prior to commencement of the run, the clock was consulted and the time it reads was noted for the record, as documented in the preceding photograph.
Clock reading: 12:32
